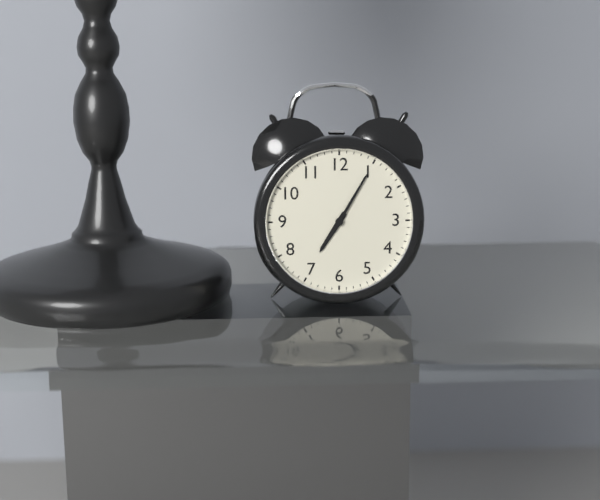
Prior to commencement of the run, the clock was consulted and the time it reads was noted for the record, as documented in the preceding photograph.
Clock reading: 7:05
